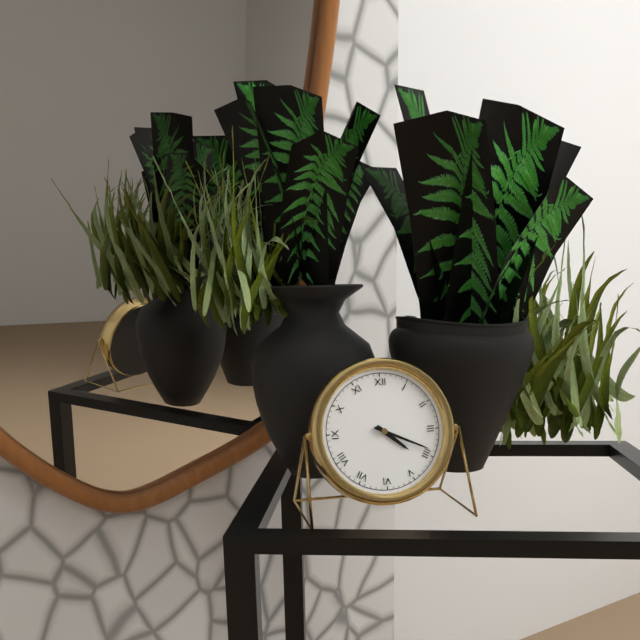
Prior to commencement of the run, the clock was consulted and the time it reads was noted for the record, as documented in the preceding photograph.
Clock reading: 4:19
